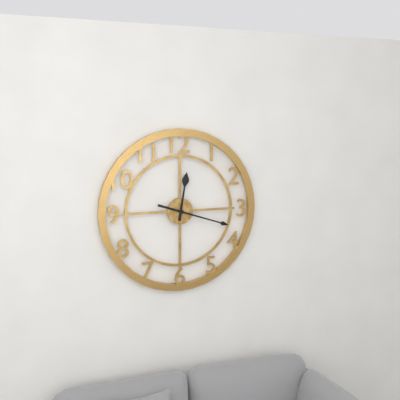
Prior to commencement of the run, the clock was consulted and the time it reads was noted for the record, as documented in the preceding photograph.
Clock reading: 12:18
